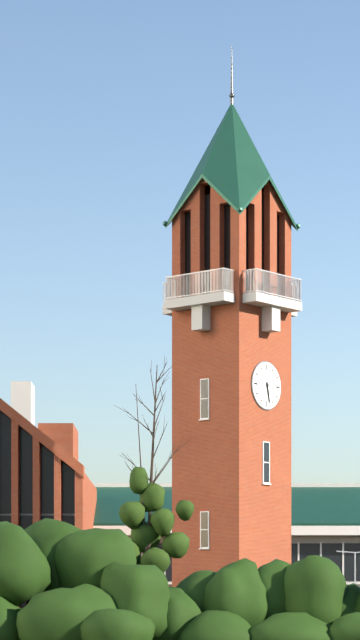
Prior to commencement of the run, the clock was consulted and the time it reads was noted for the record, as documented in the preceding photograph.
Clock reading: 5:28
